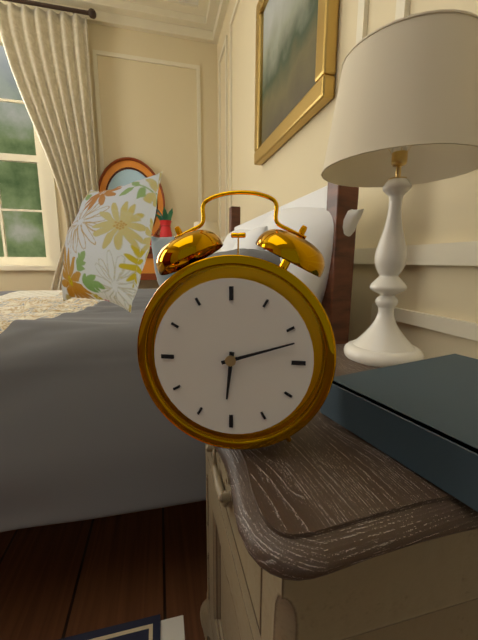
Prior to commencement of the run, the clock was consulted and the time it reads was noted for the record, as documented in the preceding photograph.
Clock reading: 6:12
